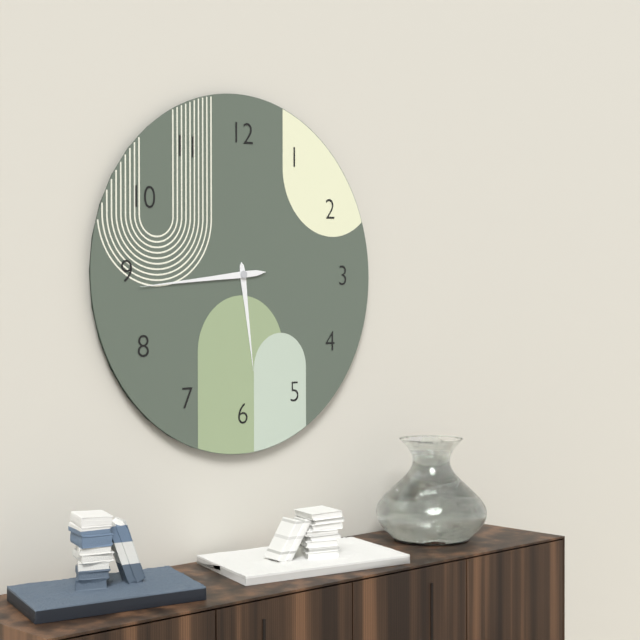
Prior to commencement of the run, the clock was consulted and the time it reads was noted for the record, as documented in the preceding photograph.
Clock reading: 5:44
